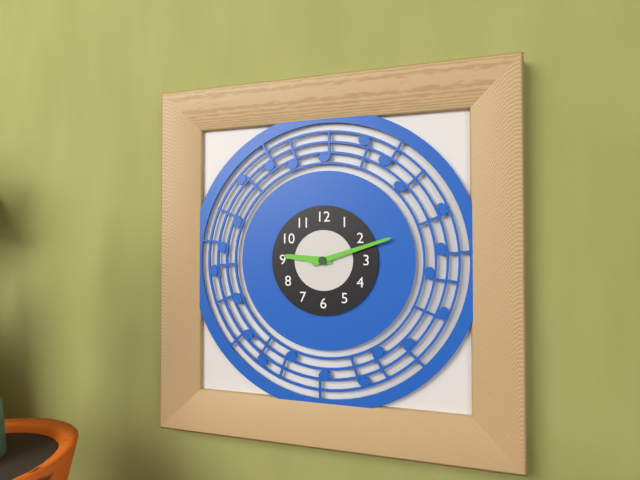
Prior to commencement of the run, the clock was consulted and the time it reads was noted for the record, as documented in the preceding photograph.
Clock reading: 9:12
